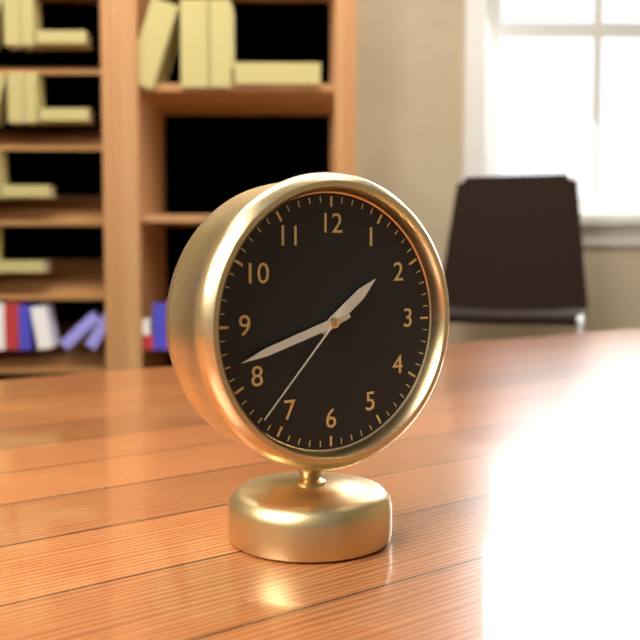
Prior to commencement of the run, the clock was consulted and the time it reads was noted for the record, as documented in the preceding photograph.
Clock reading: 1:42:37
